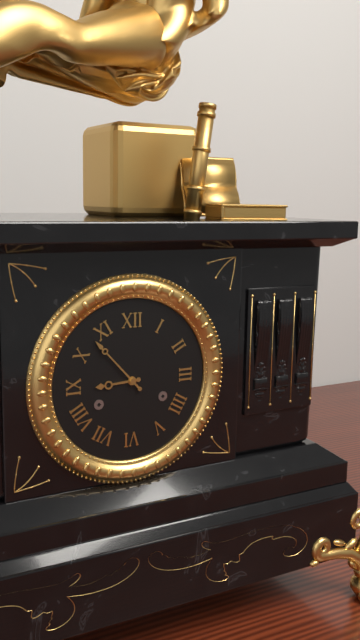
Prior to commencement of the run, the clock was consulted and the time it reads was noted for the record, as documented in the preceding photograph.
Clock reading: 8:53
